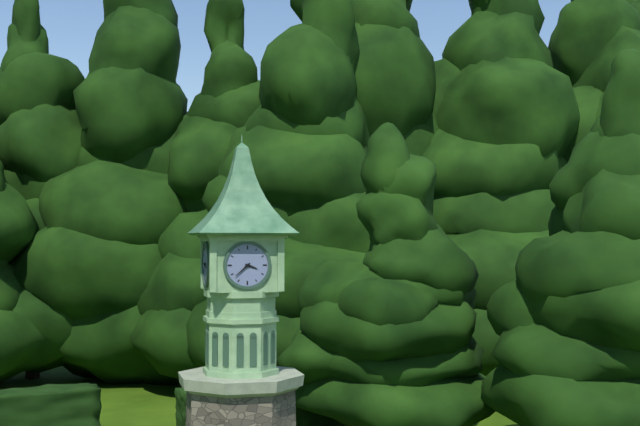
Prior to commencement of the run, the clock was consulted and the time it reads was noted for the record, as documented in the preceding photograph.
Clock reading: 3:38
